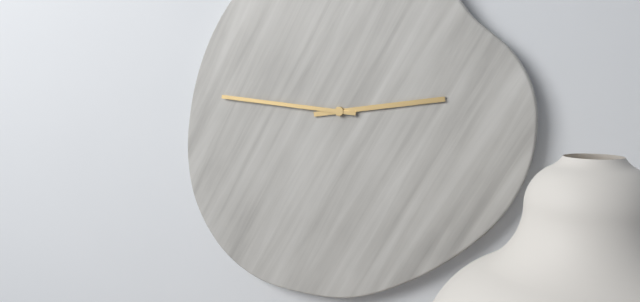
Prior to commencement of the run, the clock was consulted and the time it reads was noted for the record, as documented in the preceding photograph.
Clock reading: 2:46
